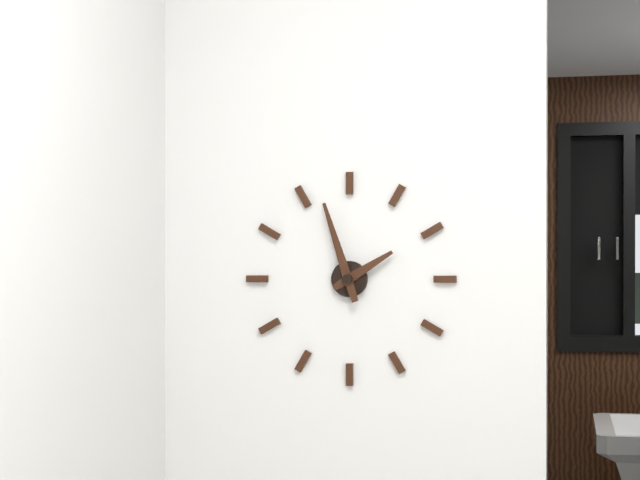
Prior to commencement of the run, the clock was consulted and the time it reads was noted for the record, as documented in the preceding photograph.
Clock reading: 1:57
